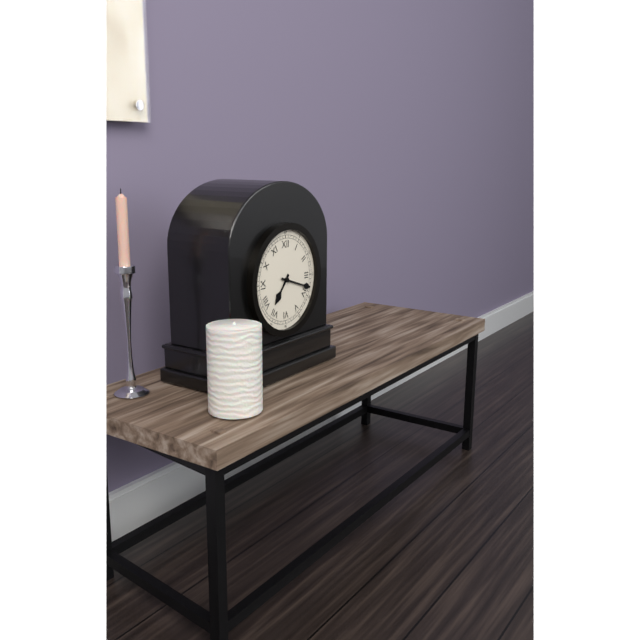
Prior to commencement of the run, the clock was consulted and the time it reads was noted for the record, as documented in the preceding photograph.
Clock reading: 7:18
